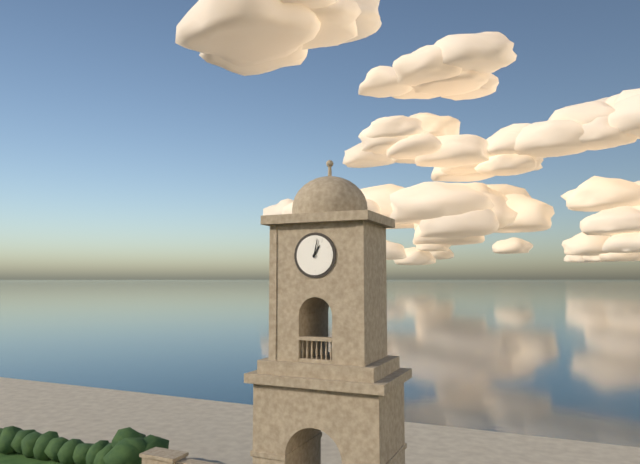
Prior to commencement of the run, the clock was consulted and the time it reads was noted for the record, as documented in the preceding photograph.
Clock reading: 1:02
